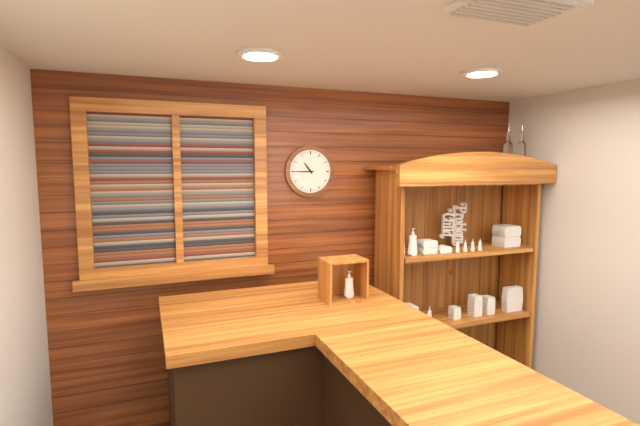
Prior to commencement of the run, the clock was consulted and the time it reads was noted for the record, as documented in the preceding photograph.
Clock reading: 10:45
